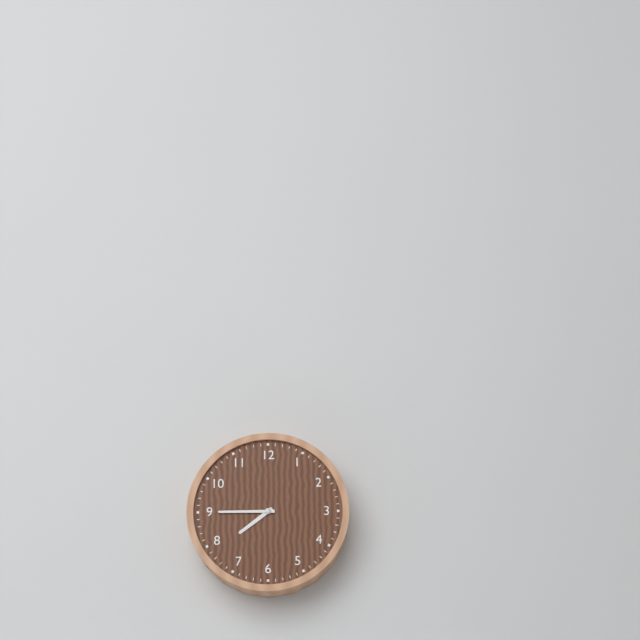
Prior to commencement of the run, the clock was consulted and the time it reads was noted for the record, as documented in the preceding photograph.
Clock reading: 7:45
